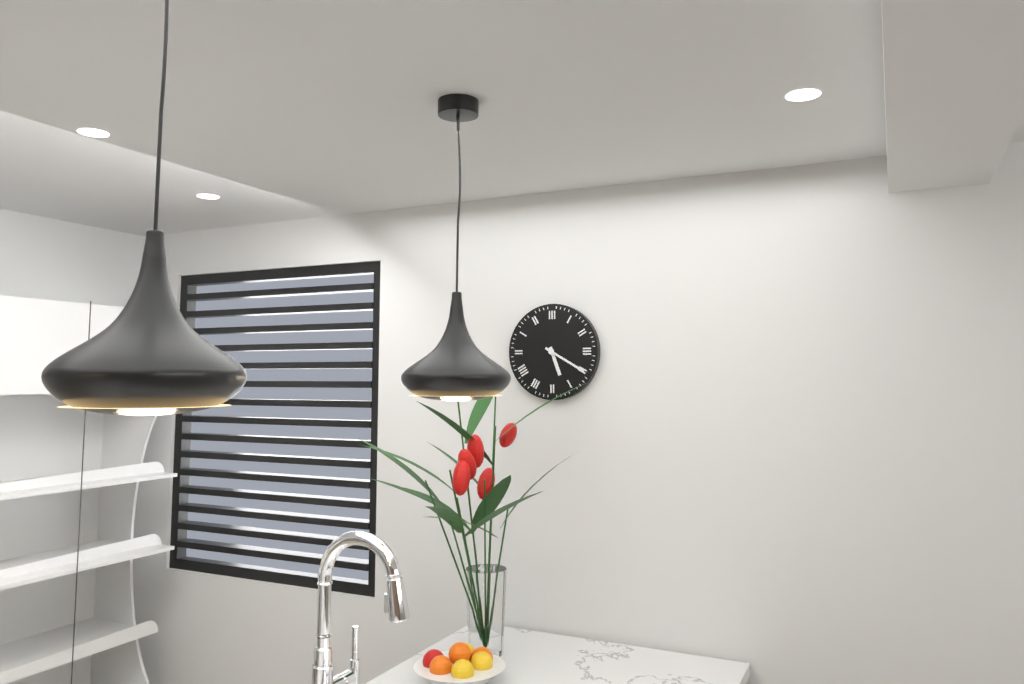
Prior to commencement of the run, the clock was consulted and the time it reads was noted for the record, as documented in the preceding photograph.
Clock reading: 5:20
